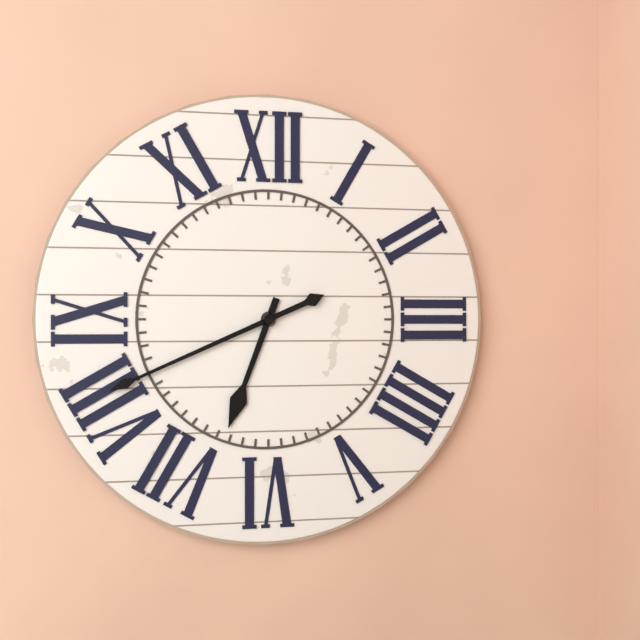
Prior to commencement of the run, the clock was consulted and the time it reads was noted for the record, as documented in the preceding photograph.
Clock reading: 6:41
